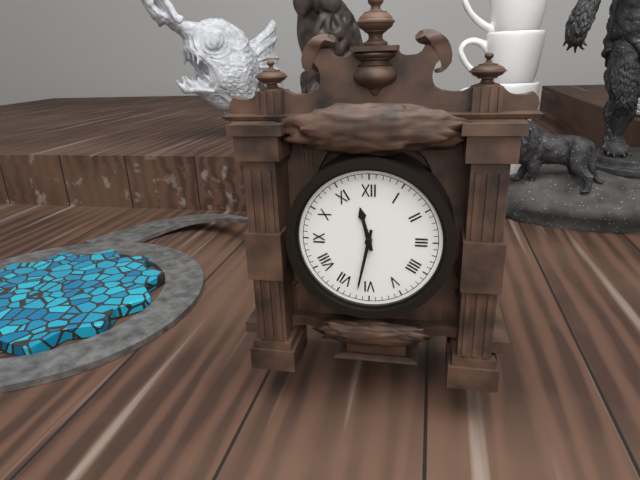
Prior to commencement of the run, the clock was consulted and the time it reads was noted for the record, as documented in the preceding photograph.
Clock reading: 11:32
